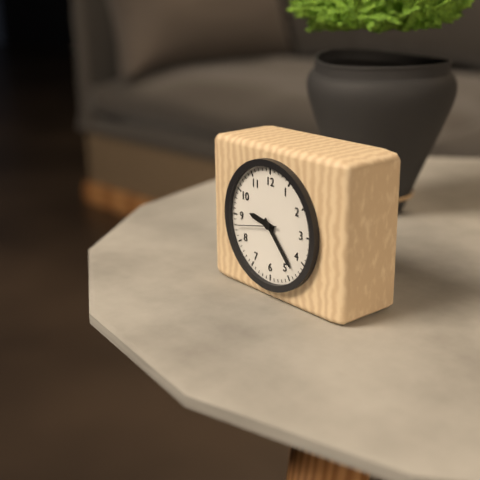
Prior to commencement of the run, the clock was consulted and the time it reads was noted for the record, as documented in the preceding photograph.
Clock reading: 9:23
